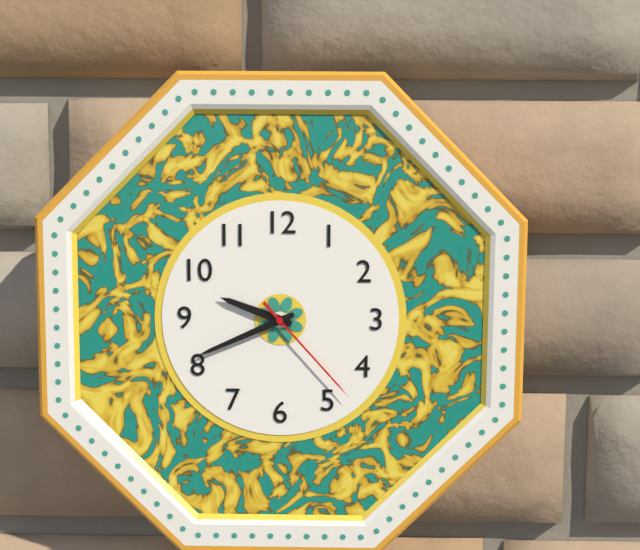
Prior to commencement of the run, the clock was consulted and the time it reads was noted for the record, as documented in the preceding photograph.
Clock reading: 9:41:23
